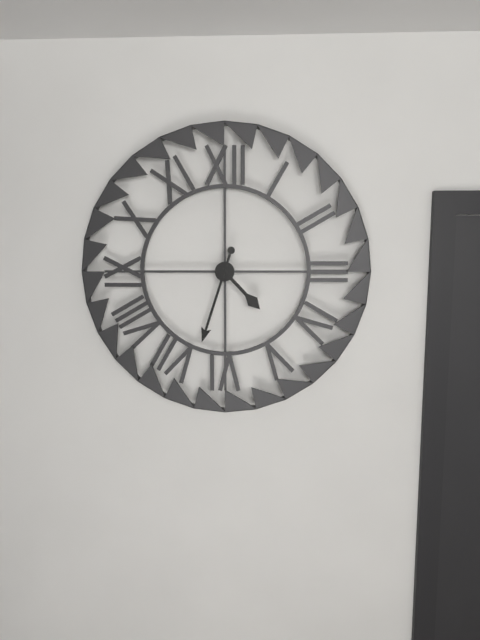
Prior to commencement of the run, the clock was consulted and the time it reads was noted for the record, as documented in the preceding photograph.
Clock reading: 4:33
